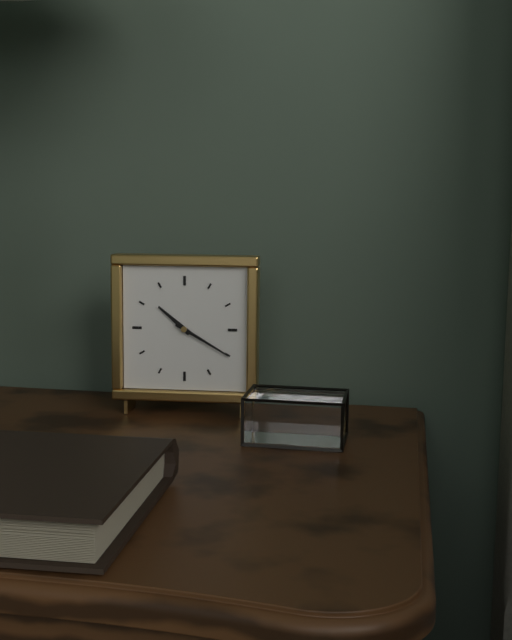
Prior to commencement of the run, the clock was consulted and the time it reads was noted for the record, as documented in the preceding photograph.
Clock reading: 10:20
